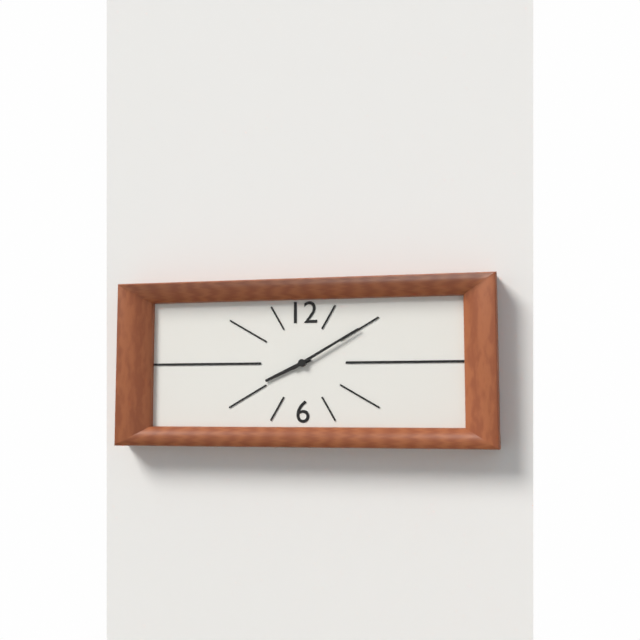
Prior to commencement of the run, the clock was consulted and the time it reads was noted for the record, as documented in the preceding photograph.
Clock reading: 8:10
